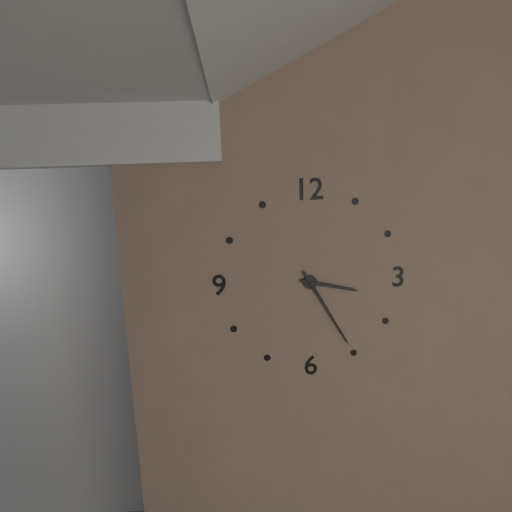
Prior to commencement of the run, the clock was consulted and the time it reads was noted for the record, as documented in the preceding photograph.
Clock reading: 3:25
